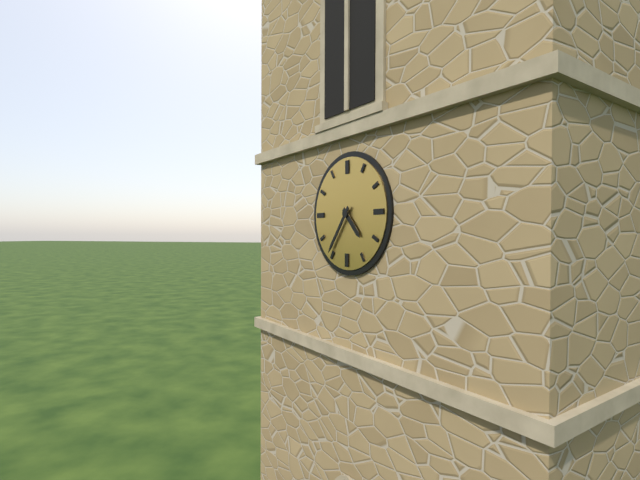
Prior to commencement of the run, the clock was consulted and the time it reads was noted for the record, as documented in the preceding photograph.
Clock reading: 4:36
